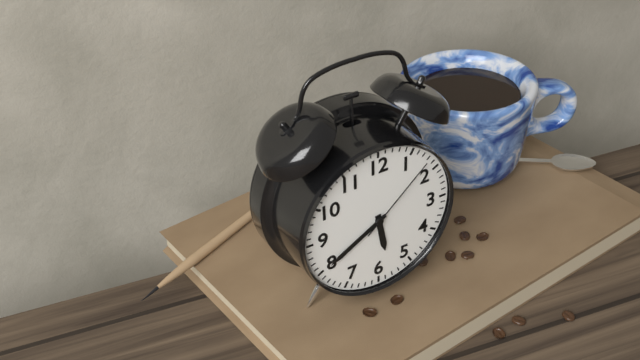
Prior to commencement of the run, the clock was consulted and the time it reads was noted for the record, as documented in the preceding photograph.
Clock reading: 5:40:08
